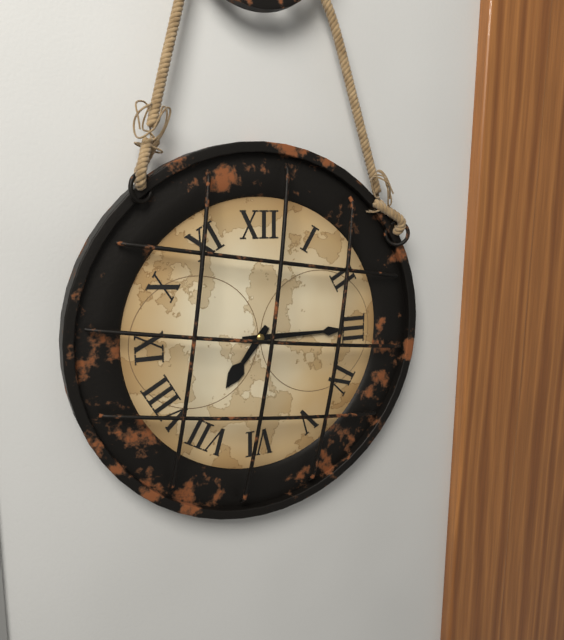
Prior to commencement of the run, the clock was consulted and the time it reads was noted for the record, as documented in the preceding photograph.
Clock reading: 7:15
